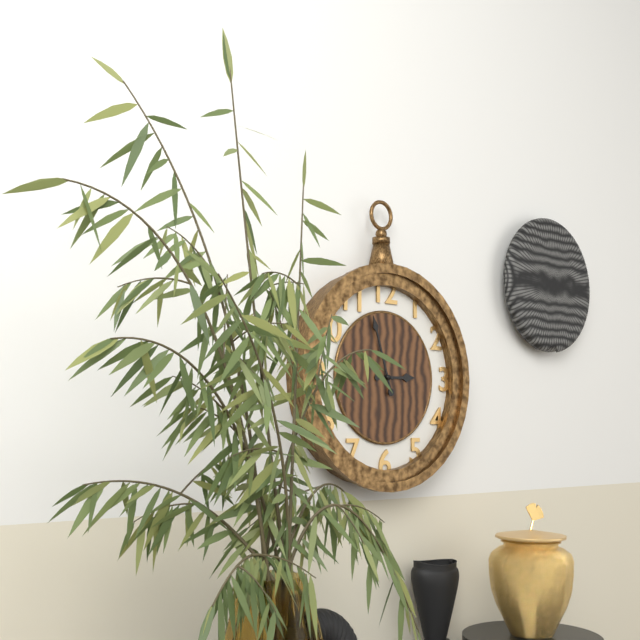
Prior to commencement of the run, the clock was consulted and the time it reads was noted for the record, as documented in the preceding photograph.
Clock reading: 2:57
